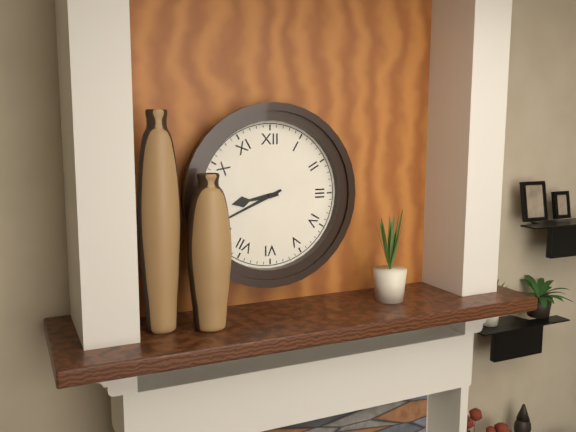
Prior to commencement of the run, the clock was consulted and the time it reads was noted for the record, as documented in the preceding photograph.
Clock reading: 8:41
